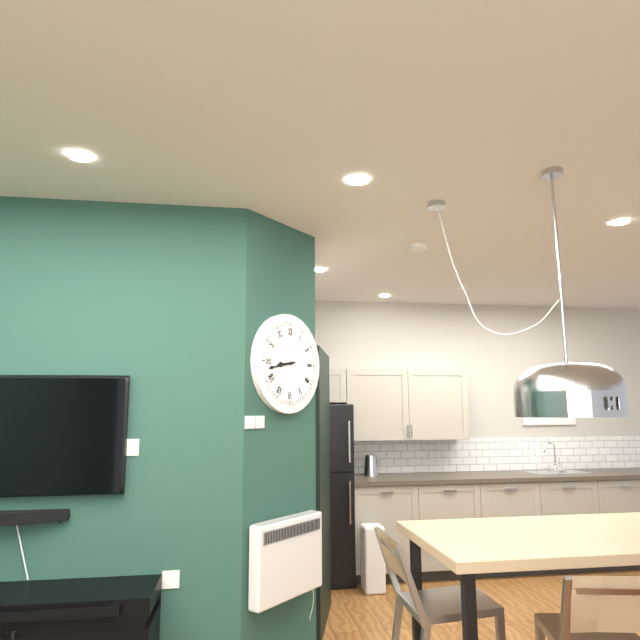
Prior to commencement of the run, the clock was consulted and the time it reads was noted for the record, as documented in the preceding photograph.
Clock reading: 8:43
